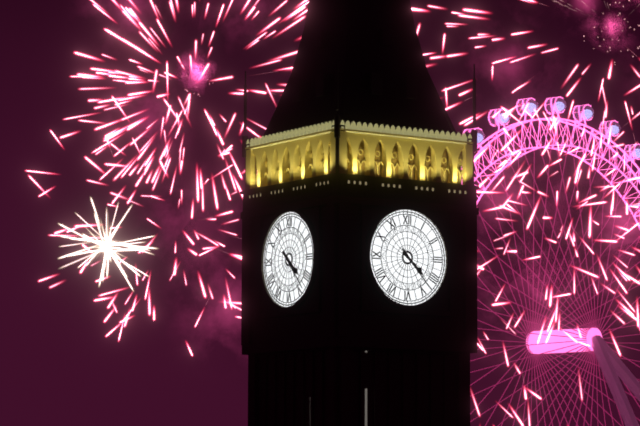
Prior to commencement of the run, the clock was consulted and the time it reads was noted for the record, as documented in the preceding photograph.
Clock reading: 4:23
